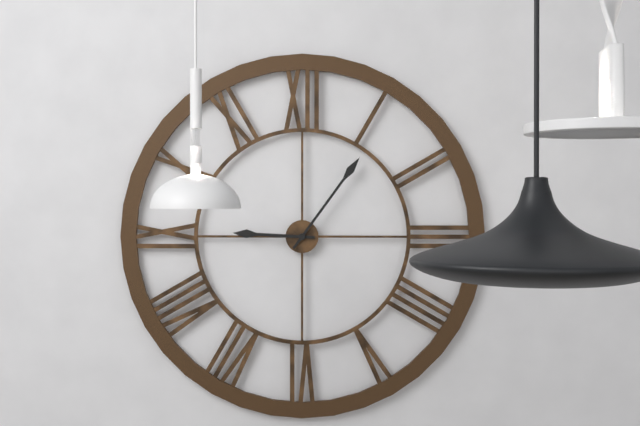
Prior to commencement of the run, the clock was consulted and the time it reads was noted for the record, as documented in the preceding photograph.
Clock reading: 9:06
